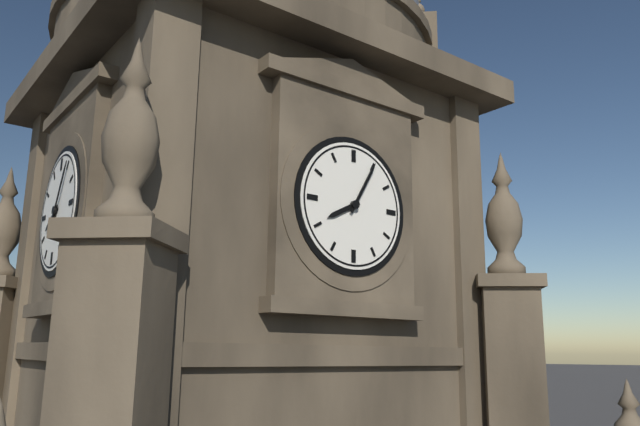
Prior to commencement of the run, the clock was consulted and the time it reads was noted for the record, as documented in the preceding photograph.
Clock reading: 8:05
